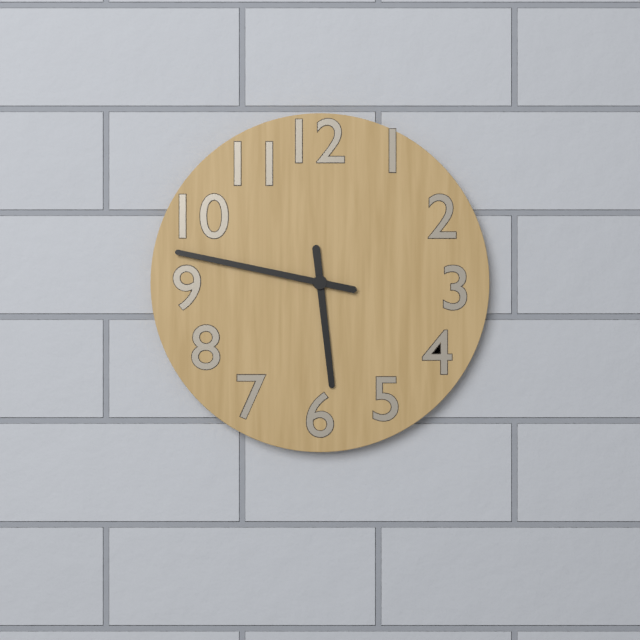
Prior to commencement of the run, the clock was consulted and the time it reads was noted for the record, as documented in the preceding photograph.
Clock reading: 5:47
